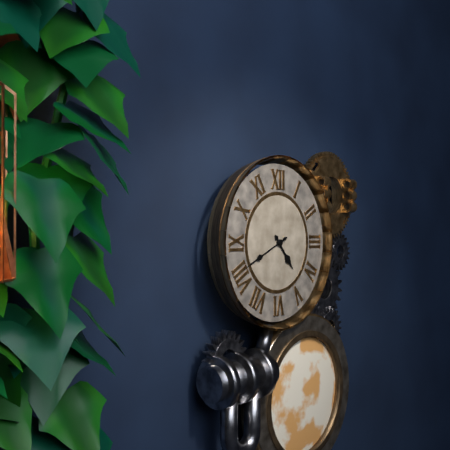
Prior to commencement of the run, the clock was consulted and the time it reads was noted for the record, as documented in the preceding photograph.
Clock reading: 4:41
